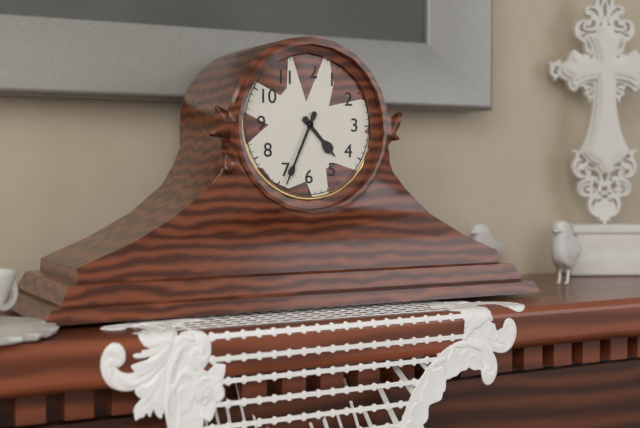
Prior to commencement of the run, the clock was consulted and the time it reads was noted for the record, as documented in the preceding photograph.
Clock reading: 4:34
